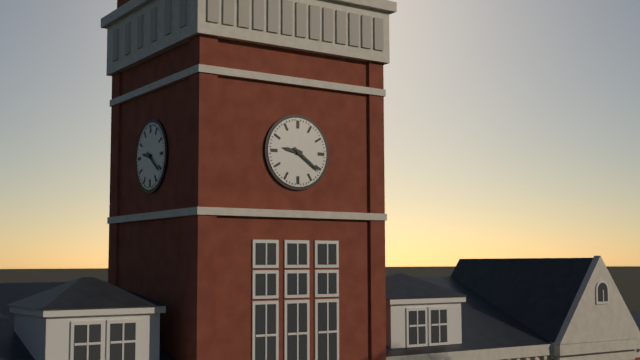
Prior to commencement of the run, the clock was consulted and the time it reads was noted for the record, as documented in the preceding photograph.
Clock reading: 9:21
